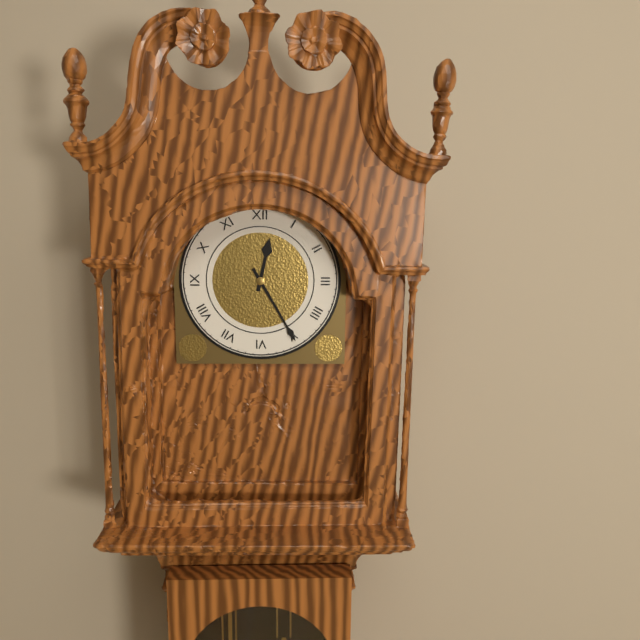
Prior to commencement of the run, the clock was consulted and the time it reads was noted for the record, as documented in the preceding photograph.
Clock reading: 12:25
